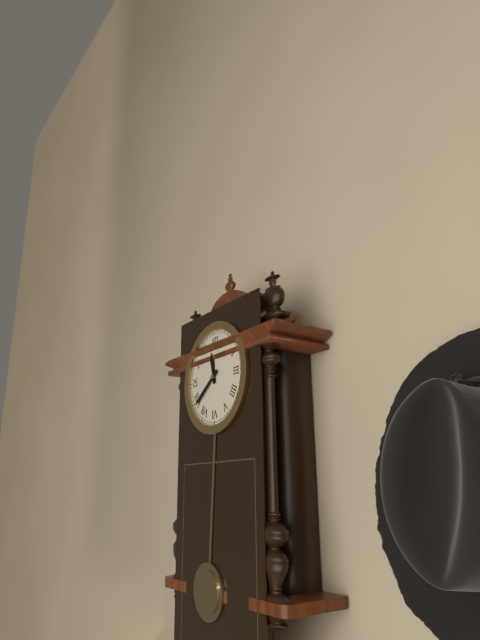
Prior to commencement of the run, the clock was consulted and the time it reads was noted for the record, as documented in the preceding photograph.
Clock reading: 11:39
